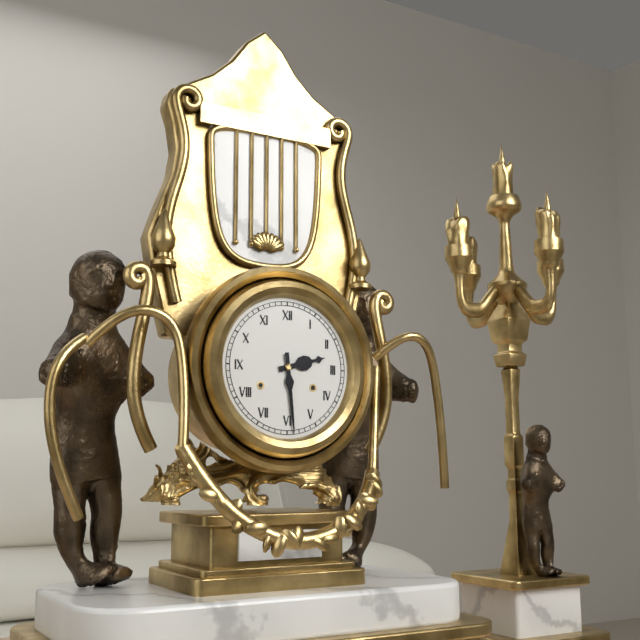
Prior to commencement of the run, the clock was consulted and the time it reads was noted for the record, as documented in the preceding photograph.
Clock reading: 2:29
